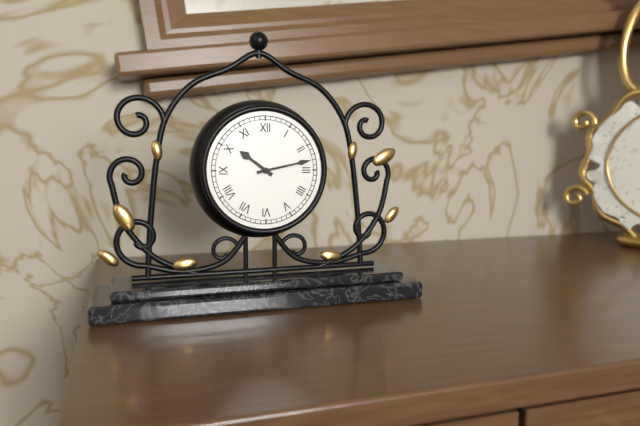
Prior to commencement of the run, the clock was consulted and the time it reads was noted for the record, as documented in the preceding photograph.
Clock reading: 10:13
